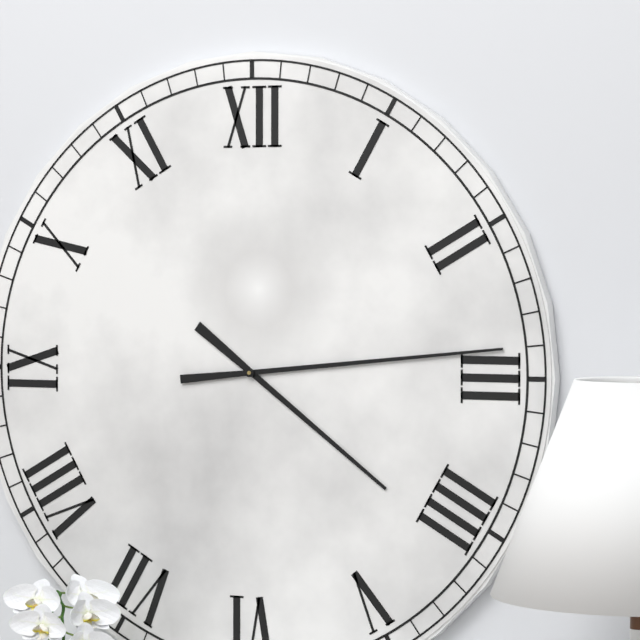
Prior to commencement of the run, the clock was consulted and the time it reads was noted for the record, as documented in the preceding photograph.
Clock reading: 4:14
